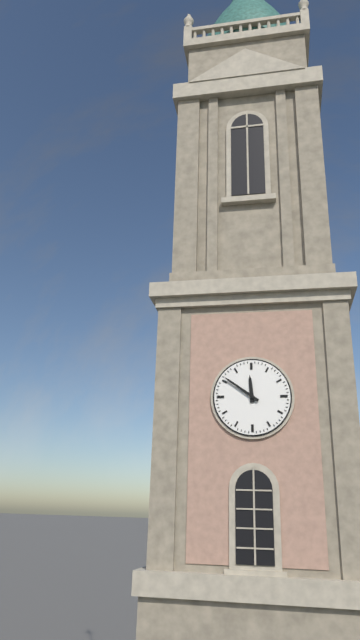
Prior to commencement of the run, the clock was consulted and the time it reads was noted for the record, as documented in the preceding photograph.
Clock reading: 11:51
